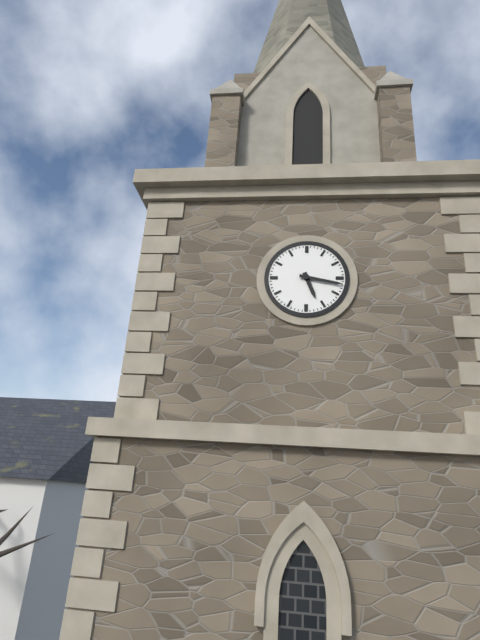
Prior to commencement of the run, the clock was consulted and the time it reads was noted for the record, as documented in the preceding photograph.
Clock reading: 5:17
